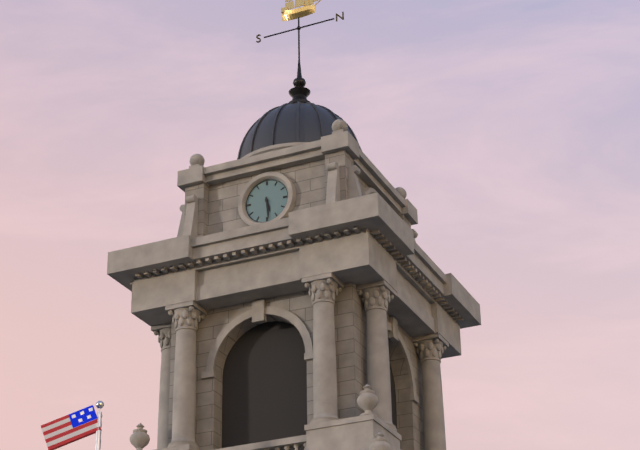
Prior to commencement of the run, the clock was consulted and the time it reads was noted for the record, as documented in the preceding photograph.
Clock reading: 5:29
